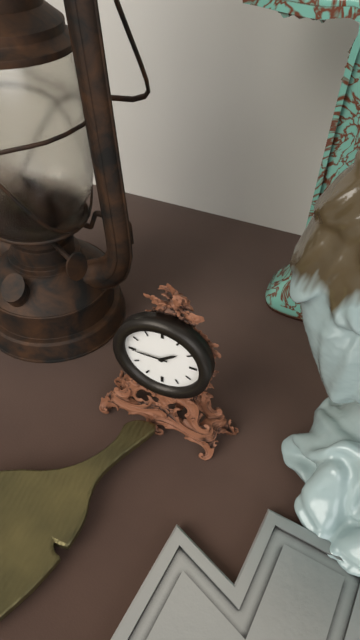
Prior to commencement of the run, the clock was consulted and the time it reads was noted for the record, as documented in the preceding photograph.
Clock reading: 1:45
